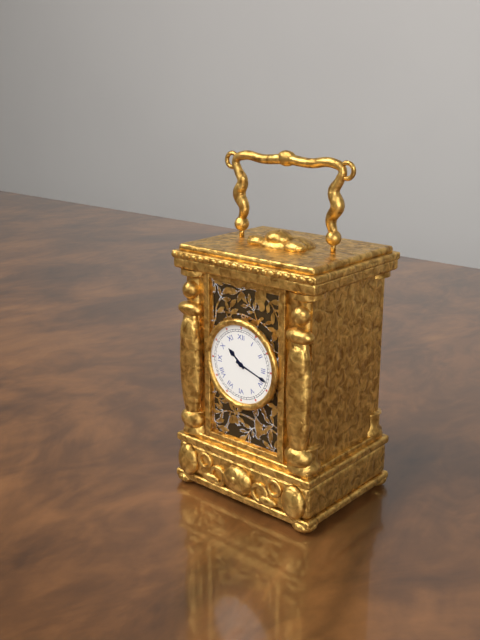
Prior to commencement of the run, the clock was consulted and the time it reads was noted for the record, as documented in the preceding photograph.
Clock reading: 10:18
